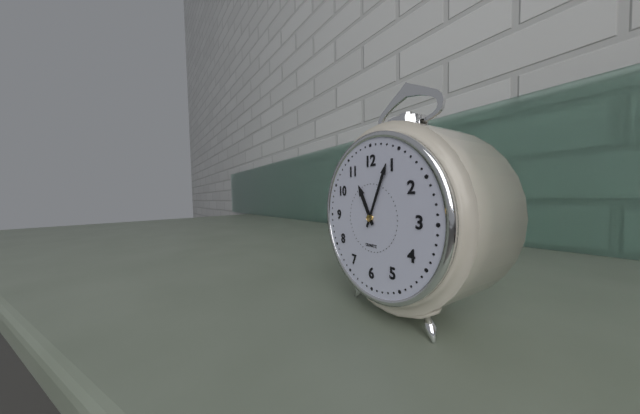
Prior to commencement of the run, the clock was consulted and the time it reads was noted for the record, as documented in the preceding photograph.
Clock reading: 11:04
